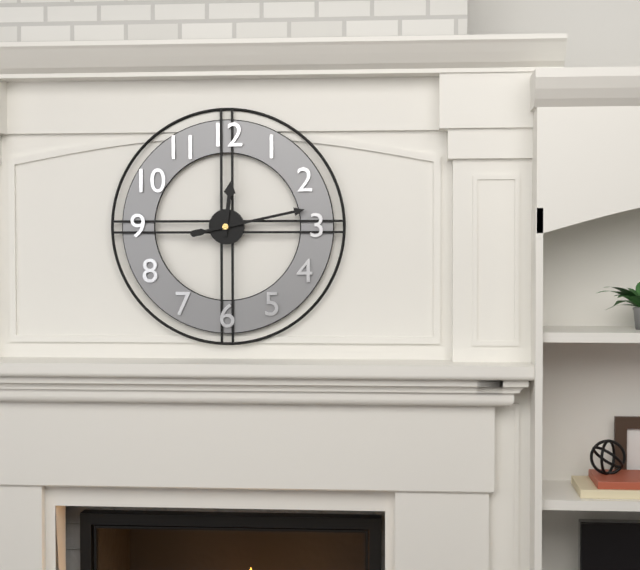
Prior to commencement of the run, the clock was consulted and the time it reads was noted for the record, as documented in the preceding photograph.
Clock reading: 12:13
